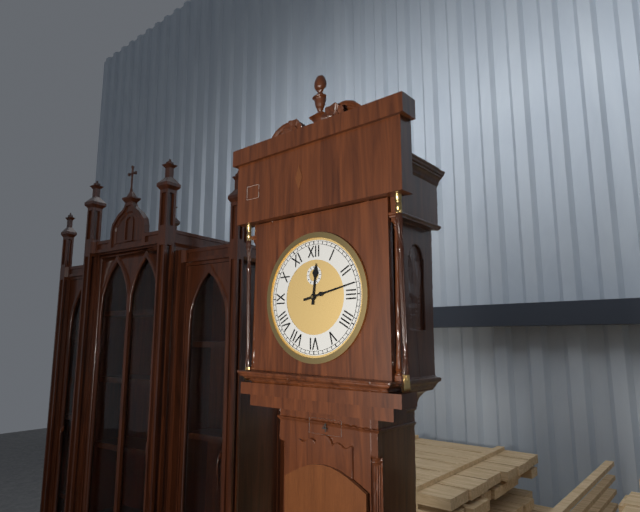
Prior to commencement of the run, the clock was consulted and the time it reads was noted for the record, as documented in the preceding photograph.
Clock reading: 12:13
